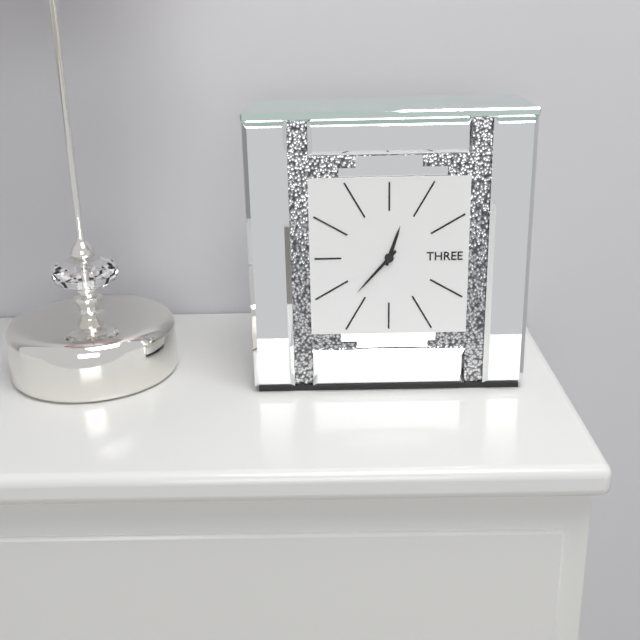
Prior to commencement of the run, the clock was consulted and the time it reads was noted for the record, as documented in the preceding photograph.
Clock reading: 12:37
